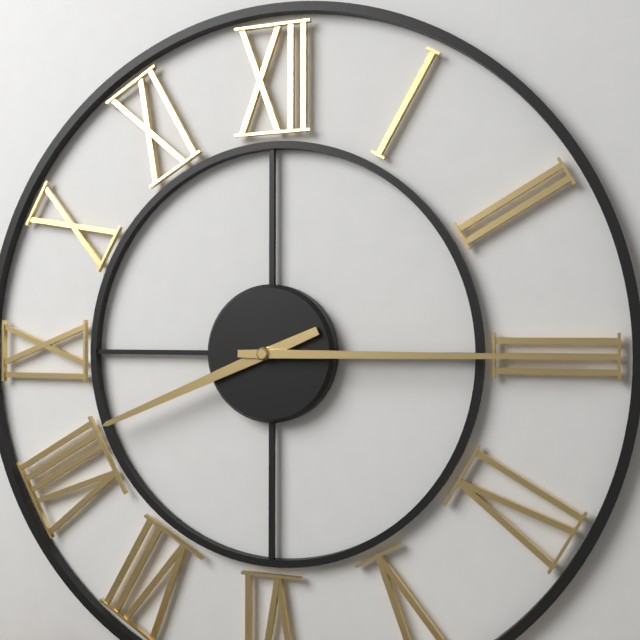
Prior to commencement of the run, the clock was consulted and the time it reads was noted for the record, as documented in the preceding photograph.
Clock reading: 8:15
